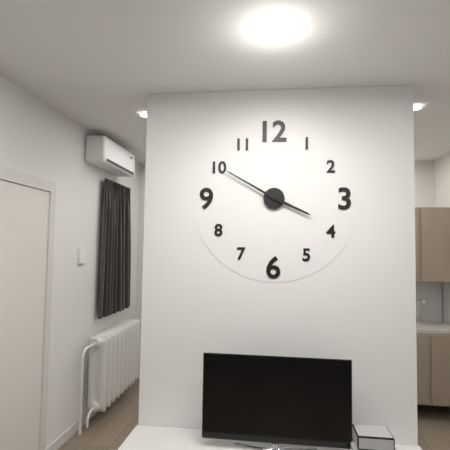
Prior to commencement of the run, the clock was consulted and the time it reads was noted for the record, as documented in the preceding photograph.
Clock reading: 3:50
